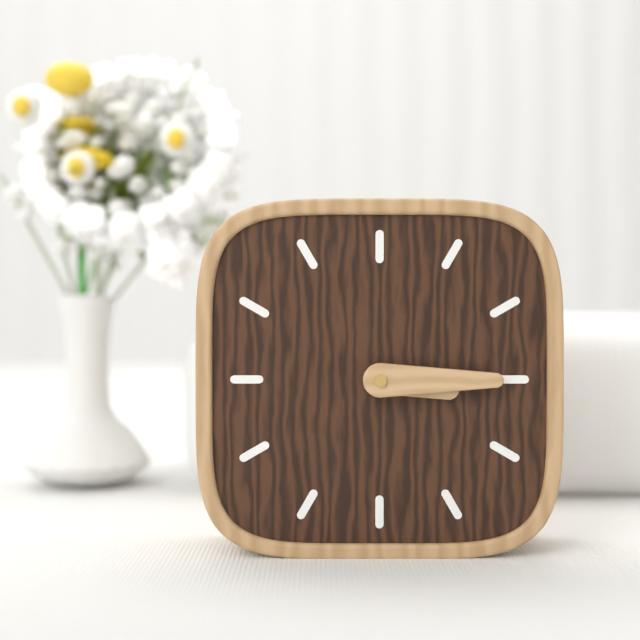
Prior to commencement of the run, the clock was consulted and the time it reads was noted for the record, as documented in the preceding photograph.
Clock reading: 3:15
